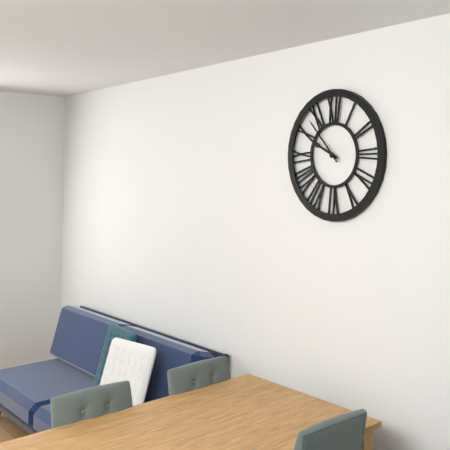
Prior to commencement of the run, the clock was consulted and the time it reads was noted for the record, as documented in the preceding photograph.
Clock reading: 9:53
